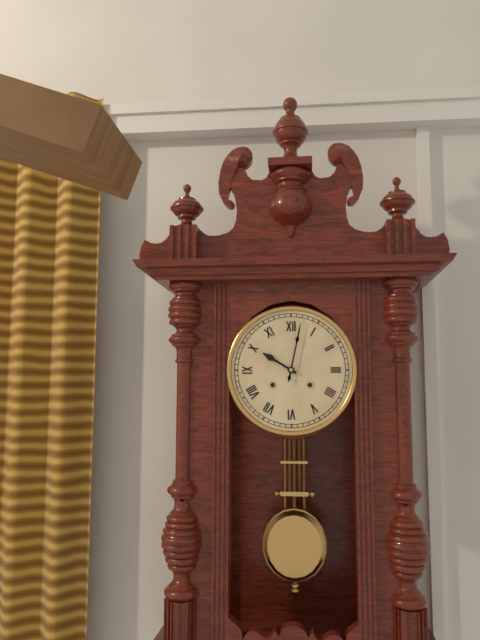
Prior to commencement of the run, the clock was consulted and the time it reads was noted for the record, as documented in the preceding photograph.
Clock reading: 10:02
